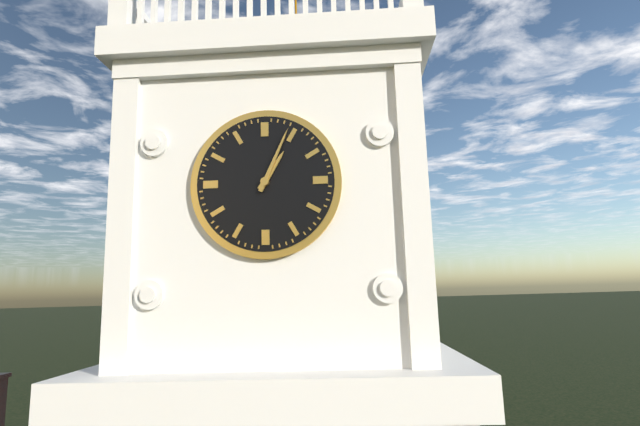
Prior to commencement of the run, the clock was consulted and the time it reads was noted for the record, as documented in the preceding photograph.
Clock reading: 1:04
